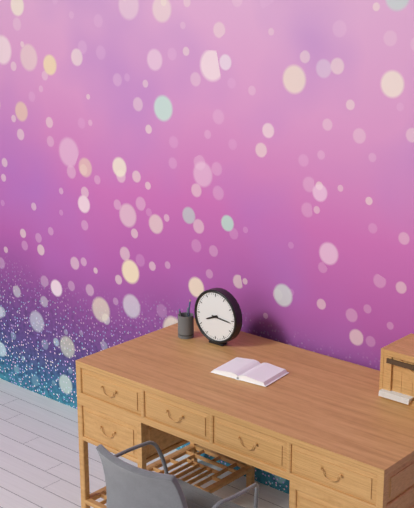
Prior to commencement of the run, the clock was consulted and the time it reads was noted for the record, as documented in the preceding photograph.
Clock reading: 8:16
